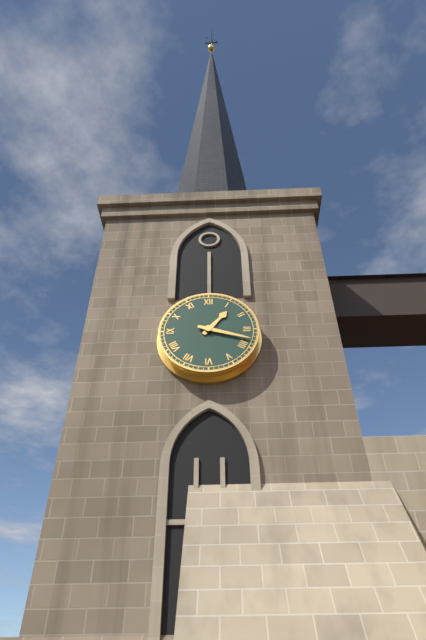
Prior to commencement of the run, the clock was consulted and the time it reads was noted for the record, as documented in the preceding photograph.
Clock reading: 1:18
